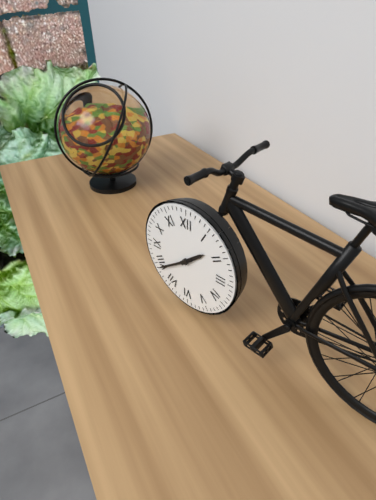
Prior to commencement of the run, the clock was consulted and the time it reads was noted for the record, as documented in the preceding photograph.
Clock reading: 1:39
